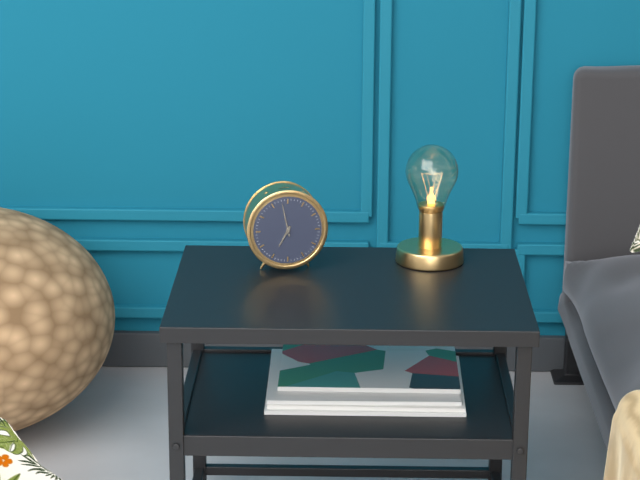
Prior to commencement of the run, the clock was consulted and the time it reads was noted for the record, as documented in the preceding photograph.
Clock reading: 6:58
